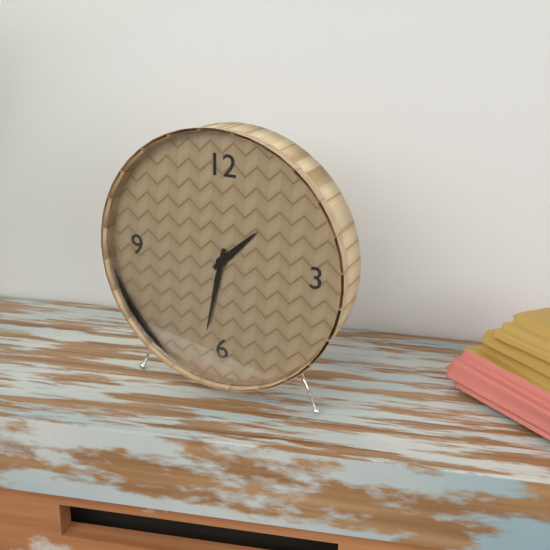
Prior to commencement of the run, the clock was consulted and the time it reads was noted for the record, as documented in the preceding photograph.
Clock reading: 1:32
